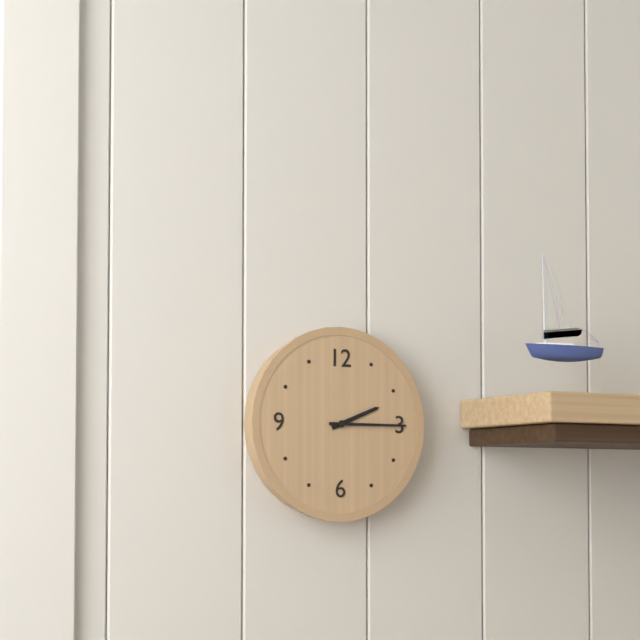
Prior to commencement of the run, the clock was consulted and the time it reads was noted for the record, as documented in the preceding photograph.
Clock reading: 2:15
